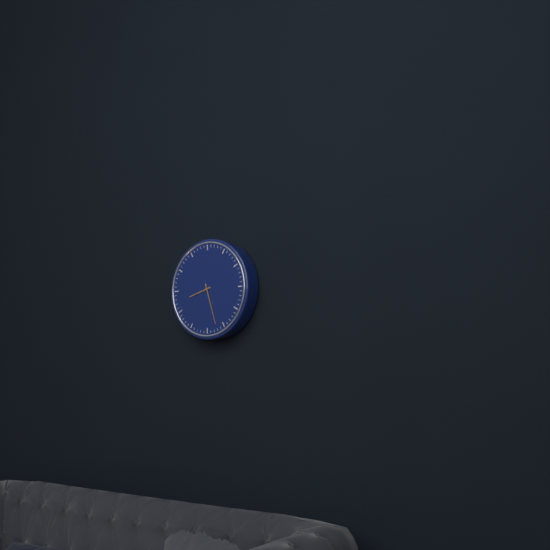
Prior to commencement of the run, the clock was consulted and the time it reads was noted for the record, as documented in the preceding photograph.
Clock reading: 8:27
